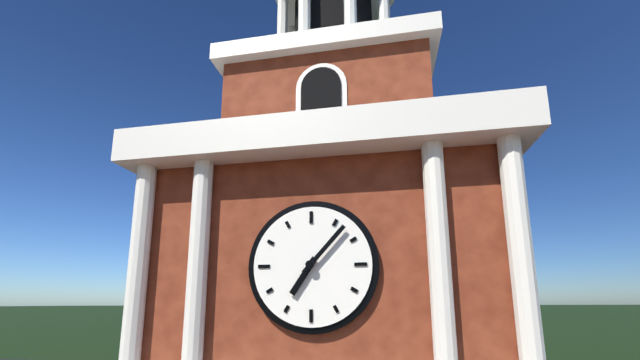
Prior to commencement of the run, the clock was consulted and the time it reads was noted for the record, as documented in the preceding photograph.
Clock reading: 7:07
